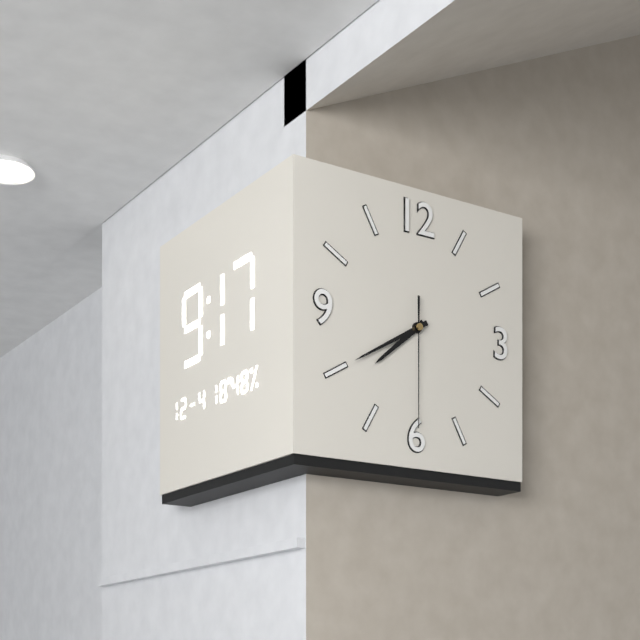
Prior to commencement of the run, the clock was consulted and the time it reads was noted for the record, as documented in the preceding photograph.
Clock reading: 7:40:30
